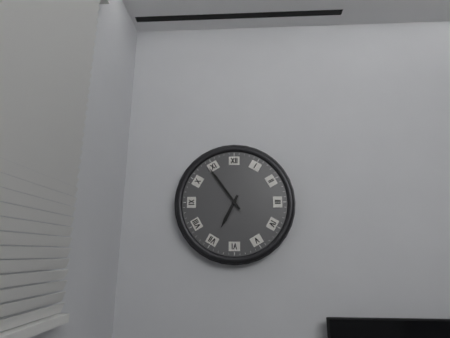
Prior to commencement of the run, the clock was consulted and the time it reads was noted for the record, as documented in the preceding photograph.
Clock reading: 6:54
